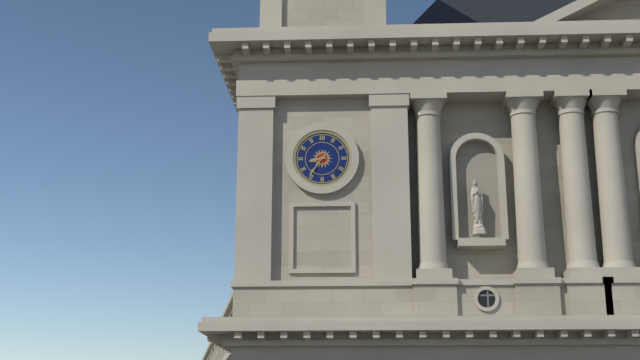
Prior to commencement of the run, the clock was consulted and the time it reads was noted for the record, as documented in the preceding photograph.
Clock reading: 8:36
